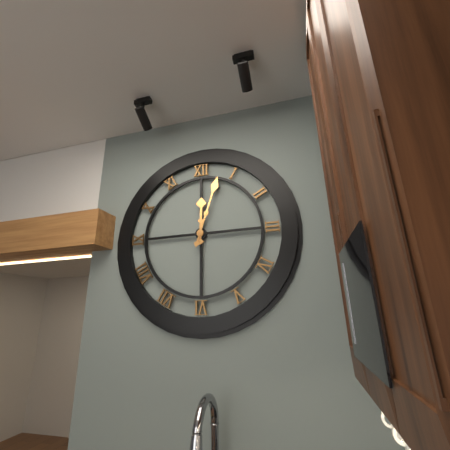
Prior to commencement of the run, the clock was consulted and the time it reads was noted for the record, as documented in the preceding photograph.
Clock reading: 12:03
